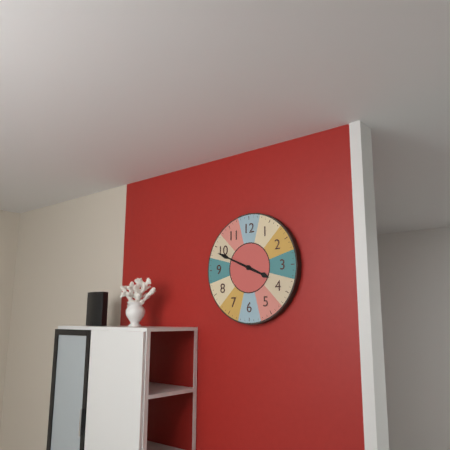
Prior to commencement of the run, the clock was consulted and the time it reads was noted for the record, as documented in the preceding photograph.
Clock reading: 3:49
